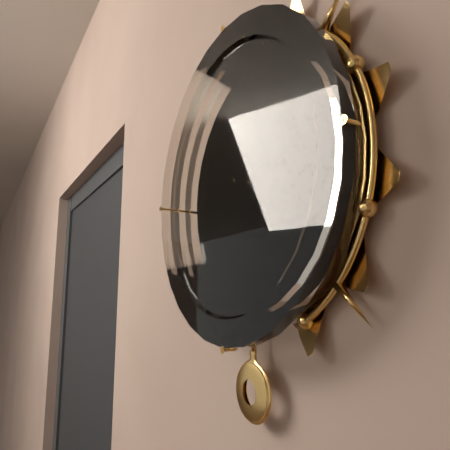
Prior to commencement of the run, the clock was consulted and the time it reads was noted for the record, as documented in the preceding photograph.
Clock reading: 9:56
